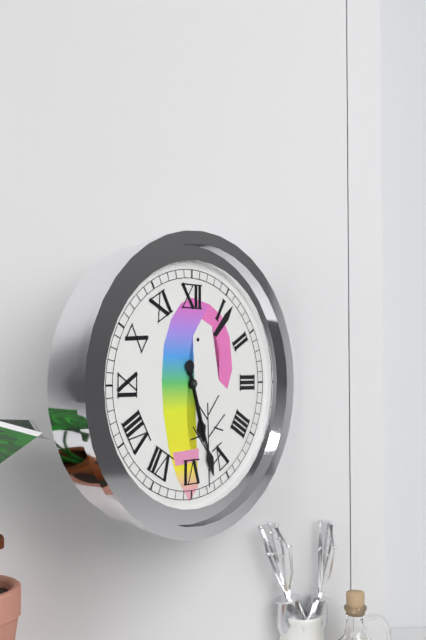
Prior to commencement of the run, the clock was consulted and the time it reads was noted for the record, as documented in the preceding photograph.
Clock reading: 5:27
